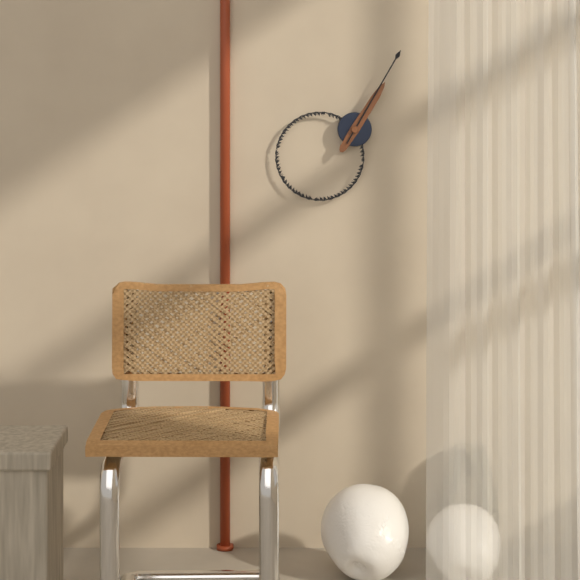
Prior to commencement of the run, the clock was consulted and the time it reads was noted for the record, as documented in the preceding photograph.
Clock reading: 1:05
